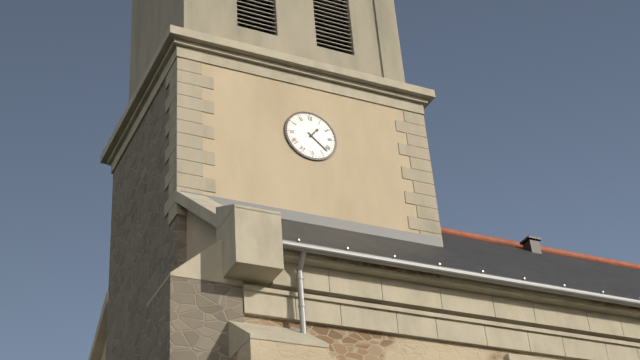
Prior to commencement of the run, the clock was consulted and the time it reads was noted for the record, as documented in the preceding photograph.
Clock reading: 1:22
